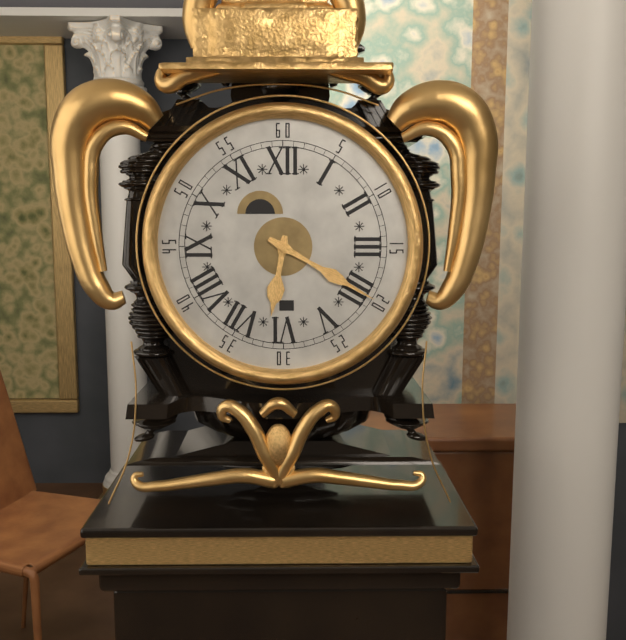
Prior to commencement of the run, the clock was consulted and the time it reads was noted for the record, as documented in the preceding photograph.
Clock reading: 6:20
